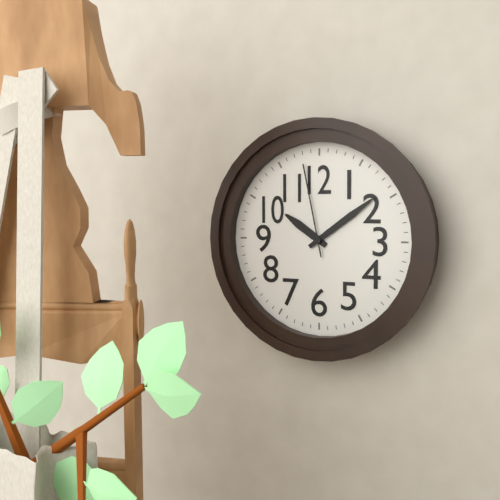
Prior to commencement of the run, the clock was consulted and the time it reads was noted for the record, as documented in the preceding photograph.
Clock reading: 10:09:58
